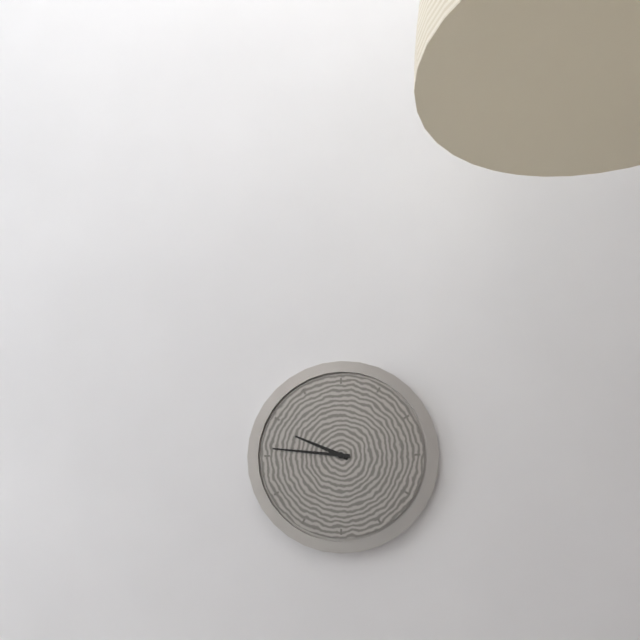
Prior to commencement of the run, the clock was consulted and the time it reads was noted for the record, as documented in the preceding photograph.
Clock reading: 9:46
